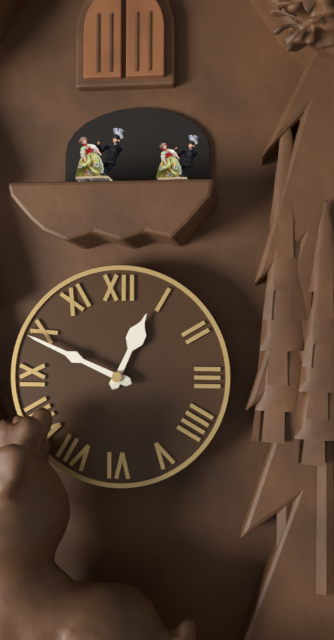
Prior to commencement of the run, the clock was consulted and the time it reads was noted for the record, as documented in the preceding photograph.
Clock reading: 12:49
